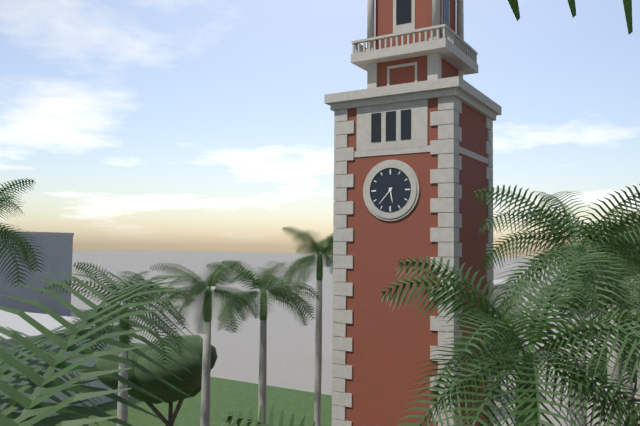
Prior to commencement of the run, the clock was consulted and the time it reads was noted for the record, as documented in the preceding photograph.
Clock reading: 5:37
